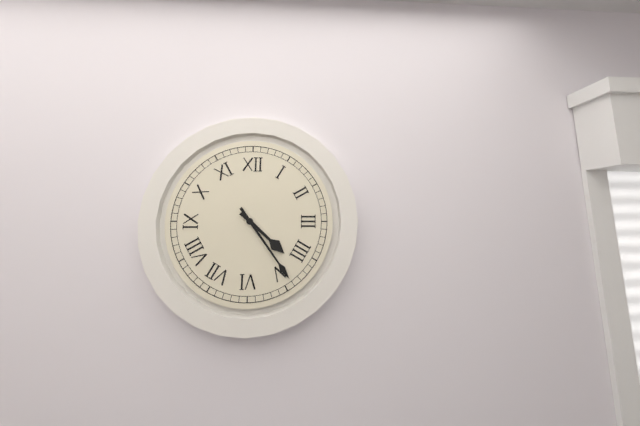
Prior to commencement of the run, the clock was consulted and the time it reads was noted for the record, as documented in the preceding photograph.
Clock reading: 4:24
